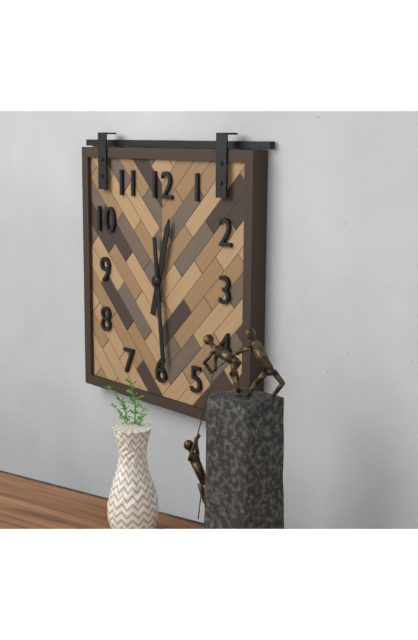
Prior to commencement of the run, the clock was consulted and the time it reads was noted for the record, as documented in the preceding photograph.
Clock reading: 12:29
